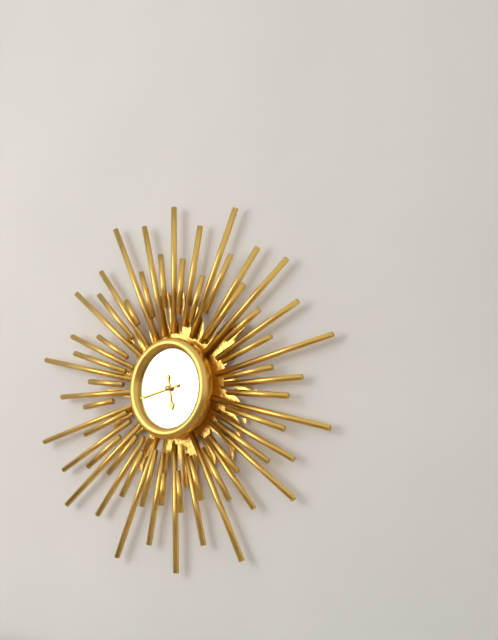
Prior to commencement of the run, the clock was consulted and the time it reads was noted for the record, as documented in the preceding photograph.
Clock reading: 5:43
